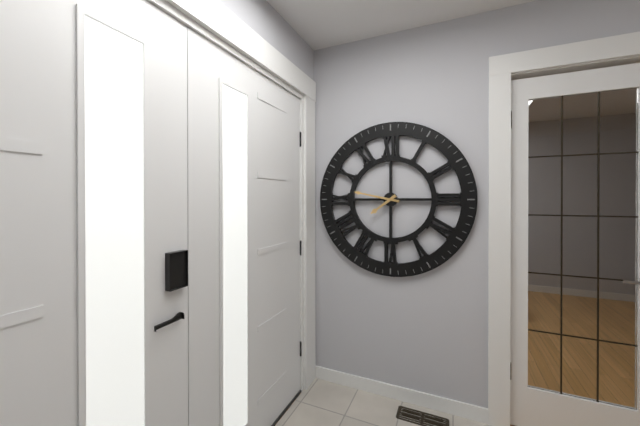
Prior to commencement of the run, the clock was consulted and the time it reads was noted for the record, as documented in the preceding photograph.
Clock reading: 7:47
